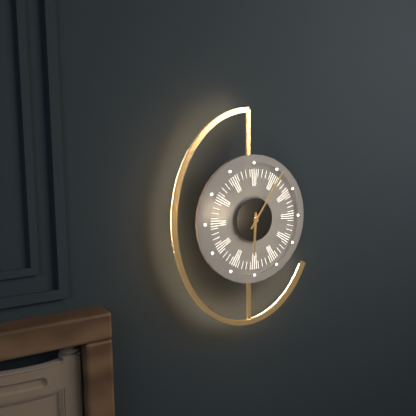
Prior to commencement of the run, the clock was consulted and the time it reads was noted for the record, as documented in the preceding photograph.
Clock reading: 6:06
